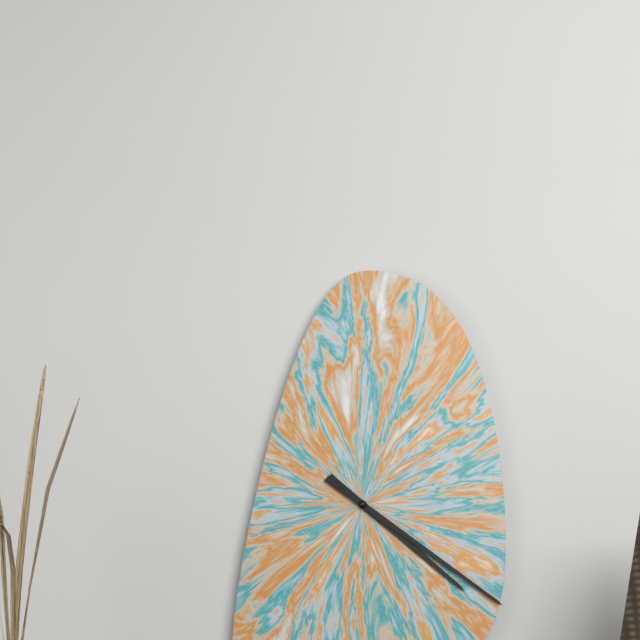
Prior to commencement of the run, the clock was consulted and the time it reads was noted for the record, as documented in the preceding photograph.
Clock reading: 4:21
